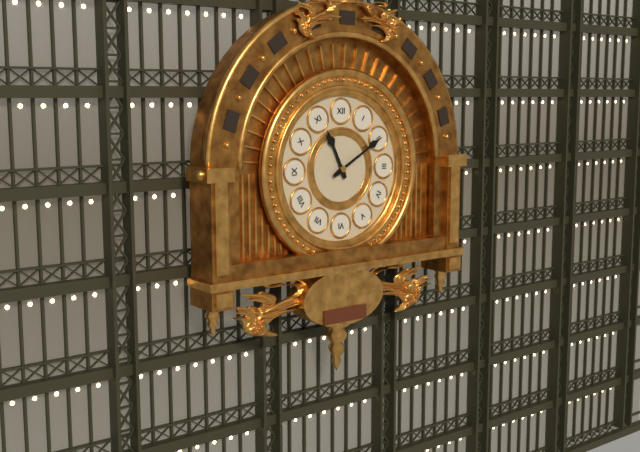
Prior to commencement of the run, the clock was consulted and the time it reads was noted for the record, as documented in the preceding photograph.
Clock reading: 11:10
